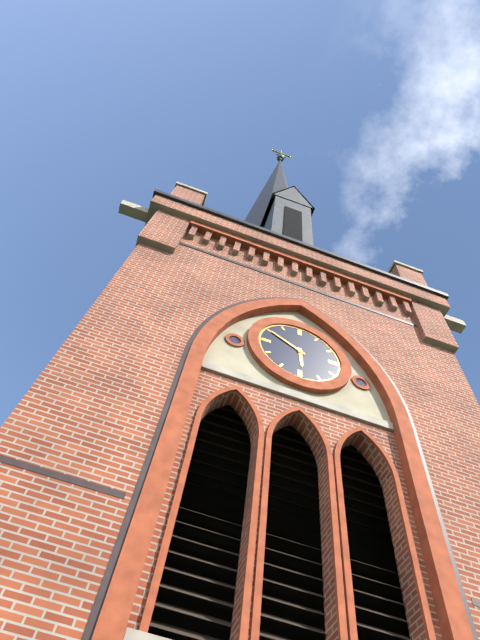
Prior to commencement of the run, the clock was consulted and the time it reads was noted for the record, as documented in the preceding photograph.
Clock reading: 5:50
